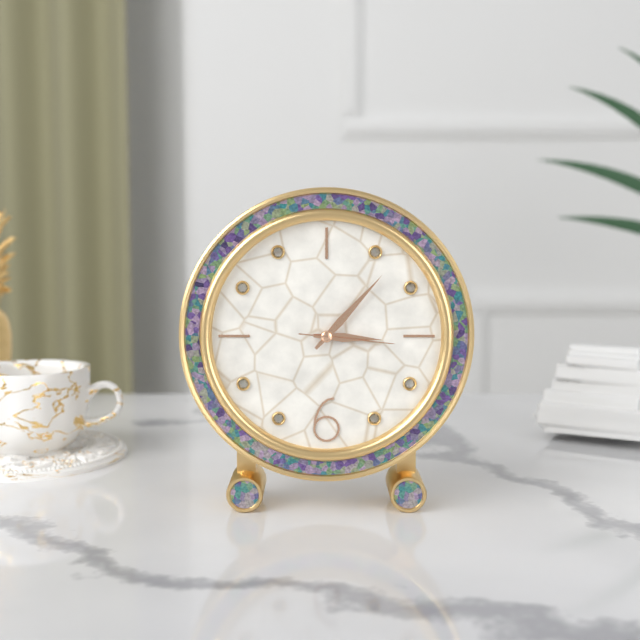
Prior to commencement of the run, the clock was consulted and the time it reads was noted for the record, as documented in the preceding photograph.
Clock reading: 3:07:16
